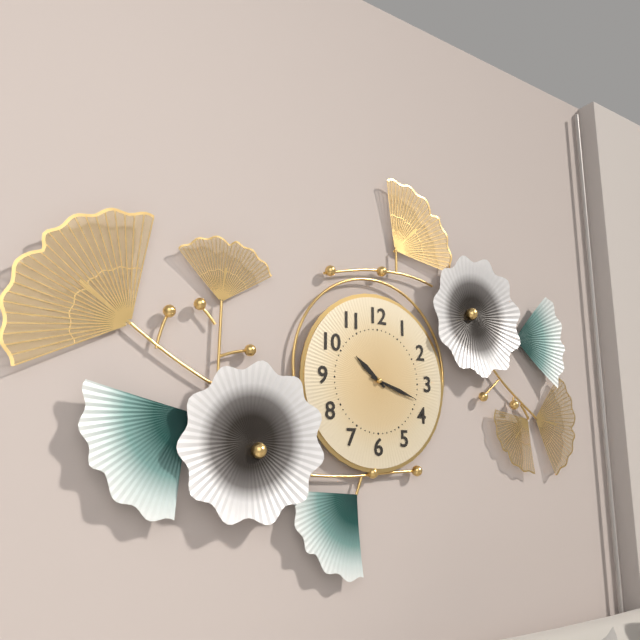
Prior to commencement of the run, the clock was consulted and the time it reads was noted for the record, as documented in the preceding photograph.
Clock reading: 10:18
